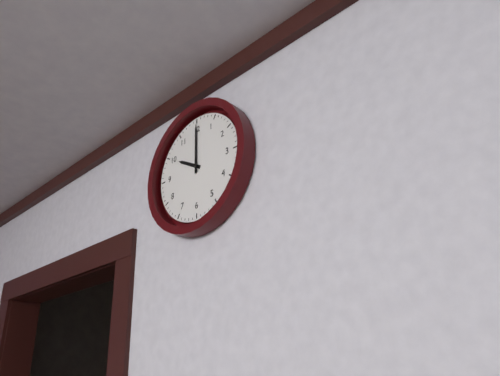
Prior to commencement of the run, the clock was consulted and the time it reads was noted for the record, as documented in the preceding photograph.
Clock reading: 10:00
